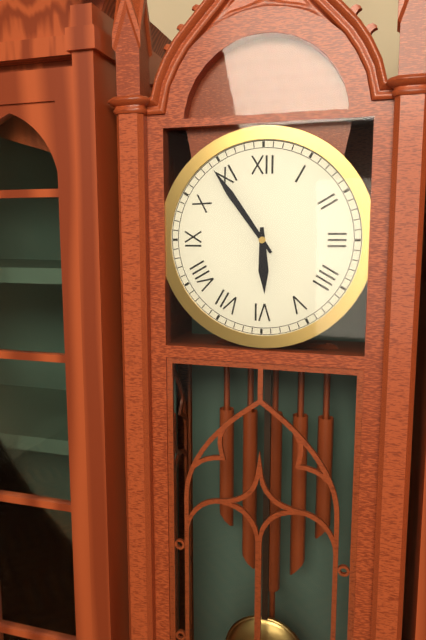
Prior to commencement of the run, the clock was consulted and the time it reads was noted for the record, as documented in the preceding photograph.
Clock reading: 5:54
